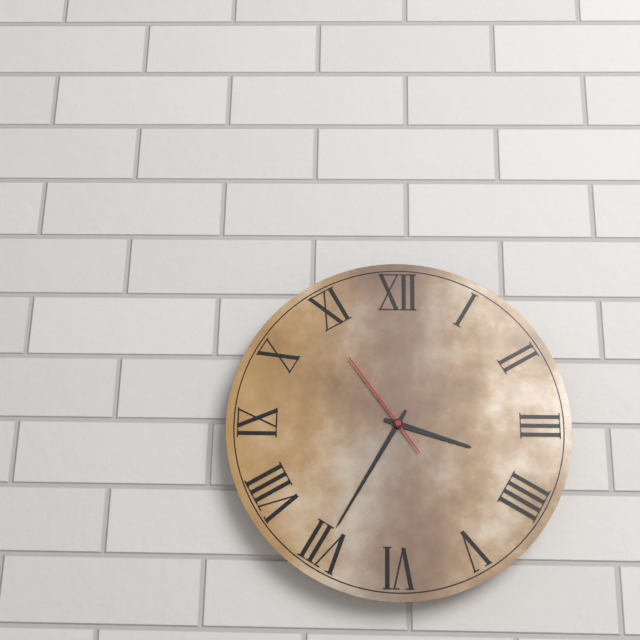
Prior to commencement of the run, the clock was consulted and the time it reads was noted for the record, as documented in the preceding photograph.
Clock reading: 3:35:54
